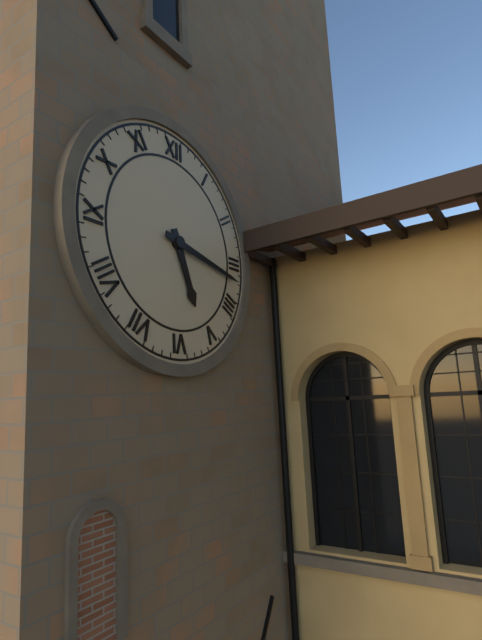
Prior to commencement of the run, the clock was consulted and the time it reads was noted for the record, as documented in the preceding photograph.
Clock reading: 5:17
